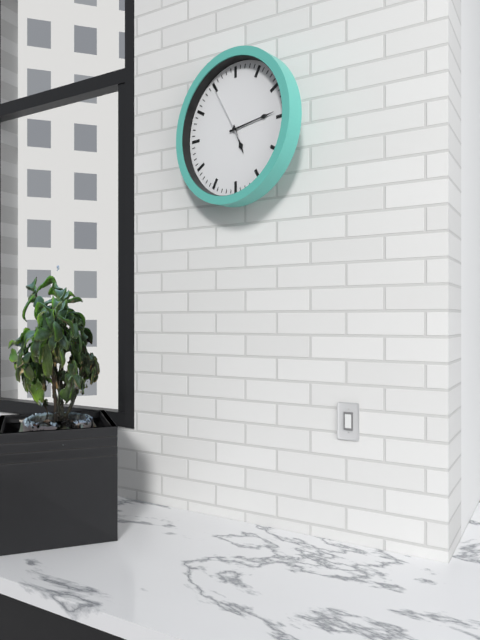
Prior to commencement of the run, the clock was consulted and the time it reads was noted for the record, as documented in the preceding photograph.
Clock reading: 5:14:55
